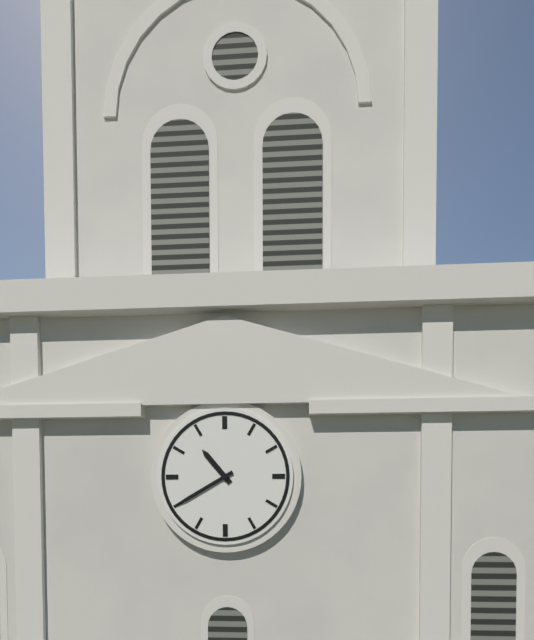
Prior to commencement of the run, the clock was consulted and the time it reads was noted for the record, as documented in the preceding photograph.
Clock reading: 10:40
